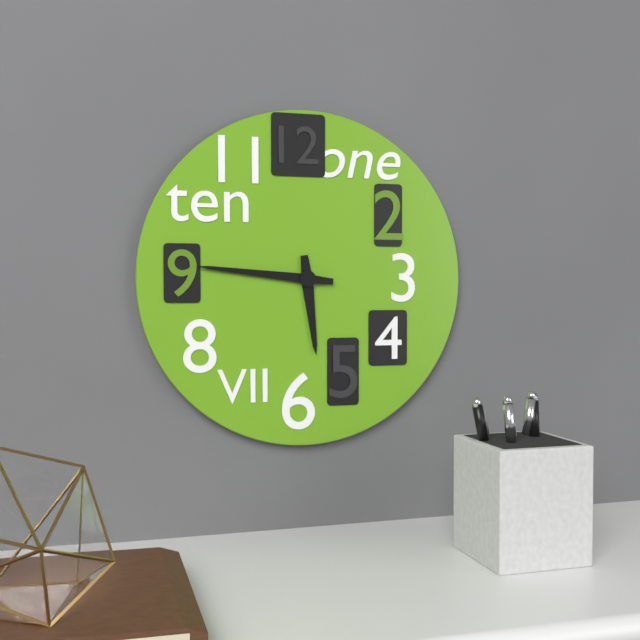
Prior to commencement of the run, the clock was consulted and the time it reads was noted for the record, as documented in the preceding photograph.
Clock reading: 5:46
